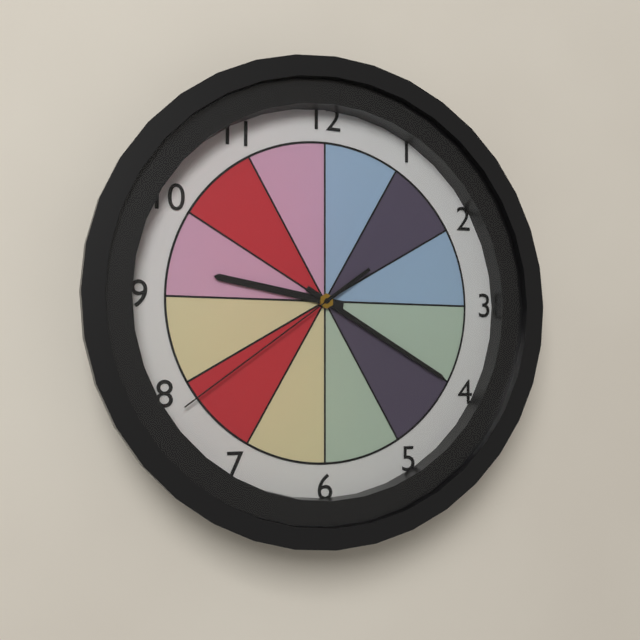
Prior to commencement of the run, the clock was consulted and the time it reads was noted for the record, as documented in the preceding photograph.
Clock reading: 9:20:39
